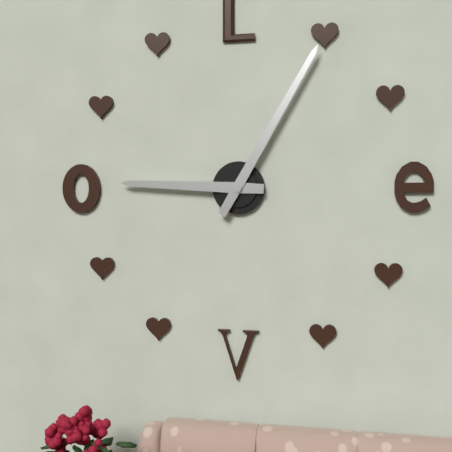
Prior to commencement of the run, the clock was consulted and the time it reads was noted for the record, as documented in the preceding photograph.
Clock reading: 9:05
